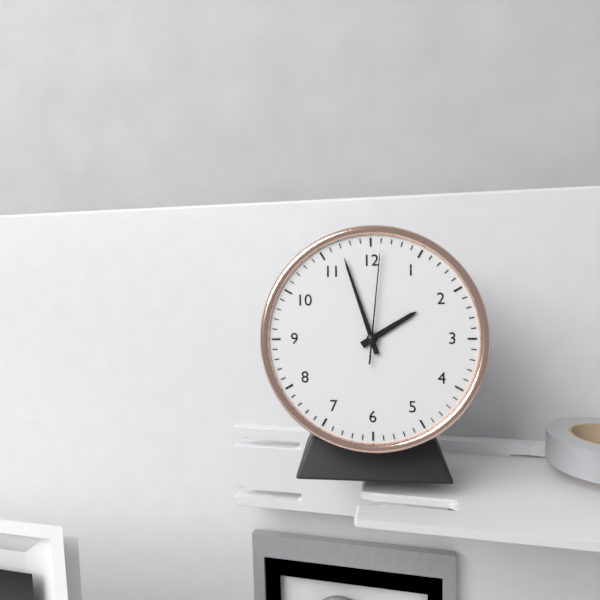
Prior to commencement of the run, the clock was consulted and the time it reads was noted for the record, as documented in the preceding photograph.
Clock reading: 1:57:01
